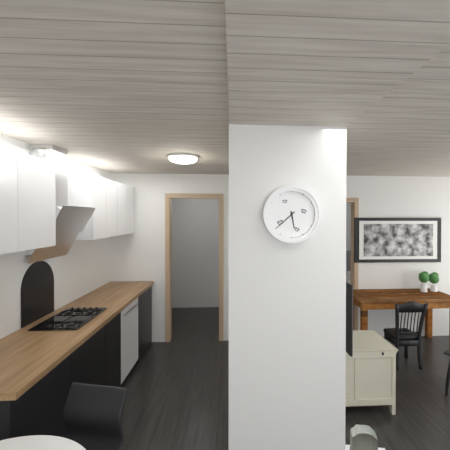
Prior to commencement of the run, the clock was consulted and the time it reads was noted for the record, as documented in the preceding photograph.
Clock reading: 5:38
